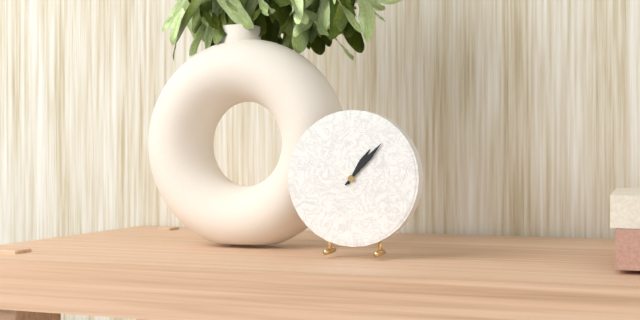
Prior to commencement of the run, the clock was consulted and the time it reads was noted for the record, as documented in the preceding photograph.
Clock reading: 1:07
